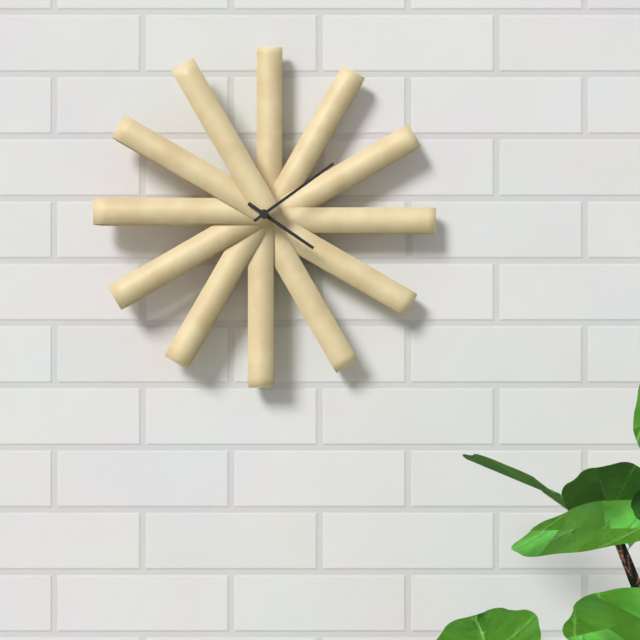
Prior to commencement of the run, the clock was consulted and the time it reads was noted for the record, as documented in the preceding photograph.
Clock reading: 4:09
